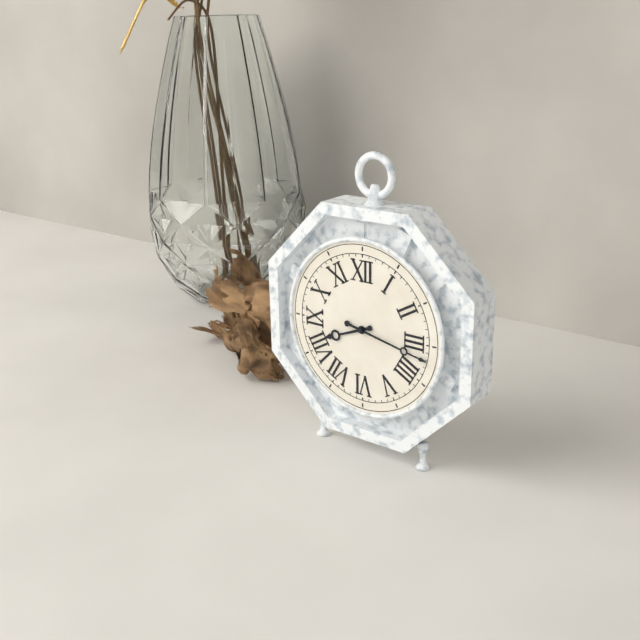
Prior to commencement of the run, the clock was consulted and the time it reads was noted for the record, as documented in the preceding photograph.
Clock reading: 8:17
